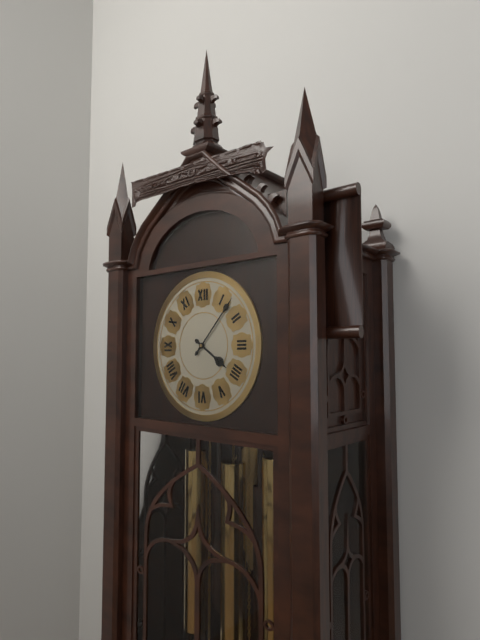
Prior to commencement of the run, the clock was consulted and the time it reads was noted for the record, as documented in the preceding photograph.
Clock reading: 4:07
